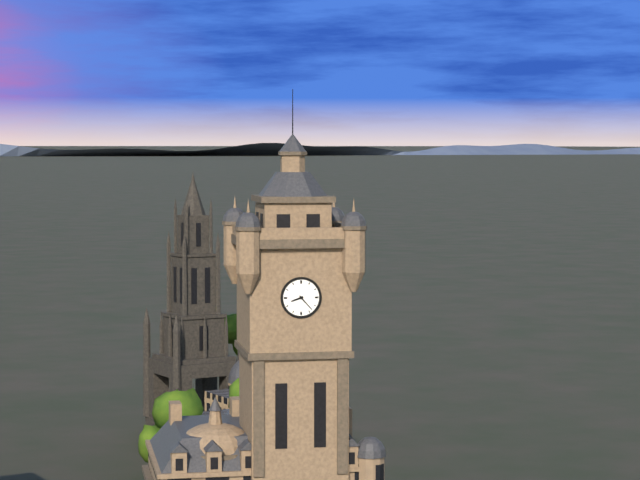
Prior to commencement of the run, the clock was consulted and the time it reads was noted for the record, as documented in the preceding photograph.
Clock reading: 8:23
